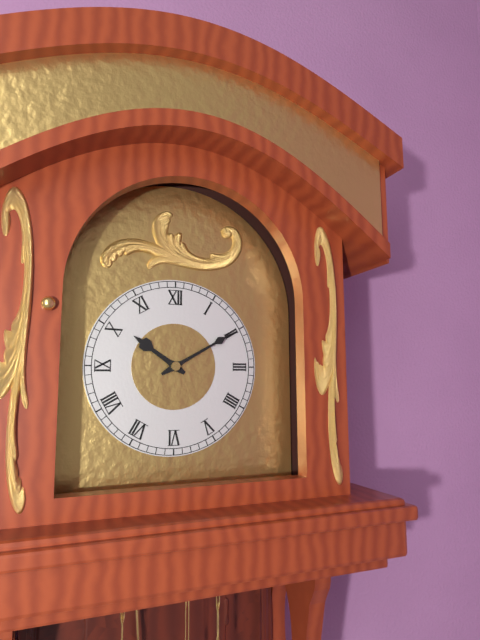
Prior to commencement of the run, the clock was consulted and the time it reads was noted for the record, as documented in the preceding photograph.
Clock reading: 10:10
